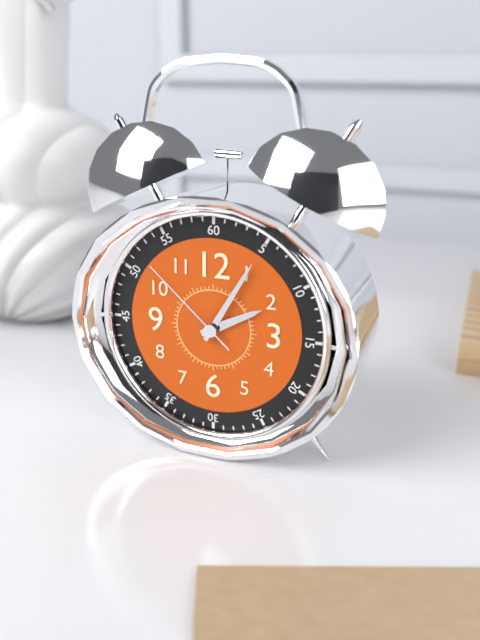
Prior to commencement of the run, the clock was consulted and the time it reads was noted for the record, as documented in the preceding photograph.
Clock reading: 2:05:52
